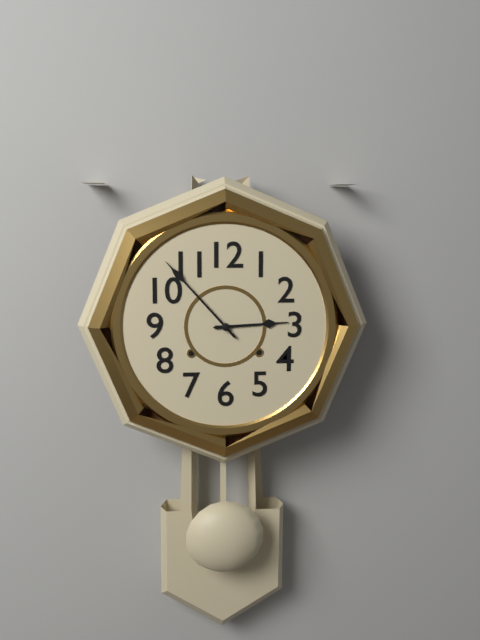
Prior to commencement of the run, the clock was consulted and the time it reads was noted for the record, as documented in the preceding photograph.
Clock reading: 2:53
